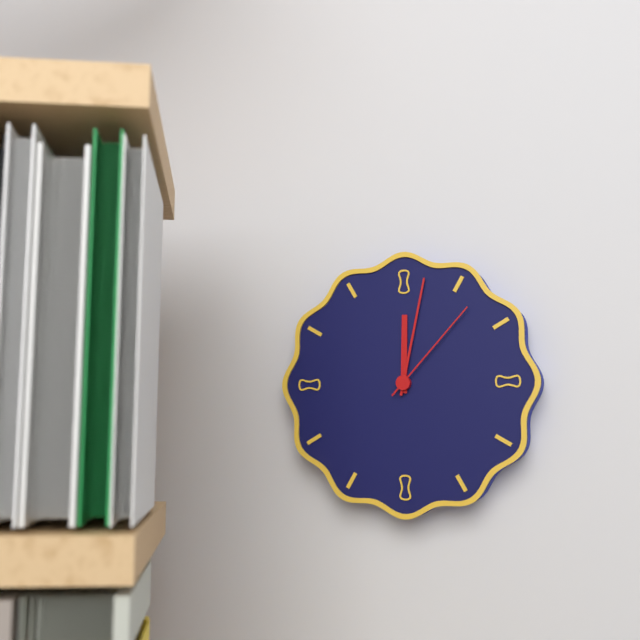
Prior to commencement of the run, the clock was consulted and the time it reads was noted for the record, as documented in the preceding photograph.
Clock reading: 12:02:07
